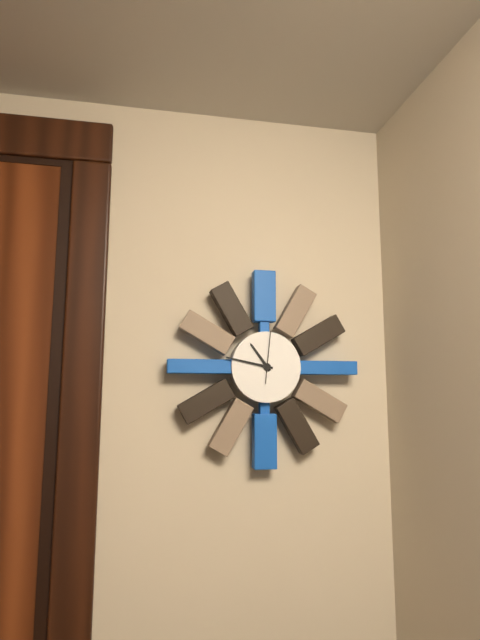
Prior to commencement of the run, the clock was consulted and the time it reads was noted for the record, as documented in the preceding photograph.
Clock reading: 10:47
